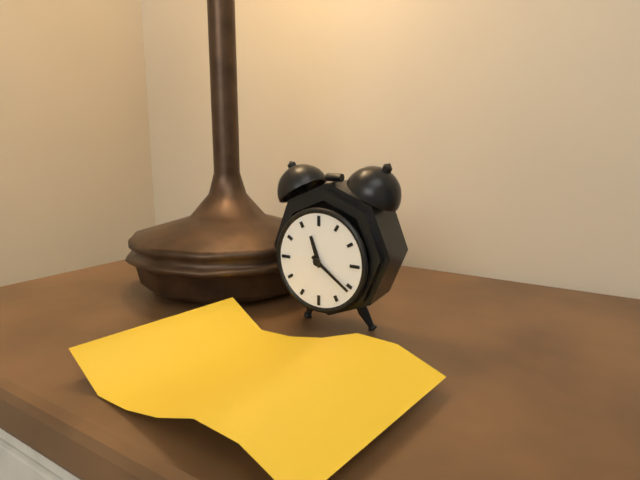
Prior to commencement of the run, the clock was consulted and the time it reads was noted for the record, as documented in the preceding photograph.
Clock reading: 11:21
